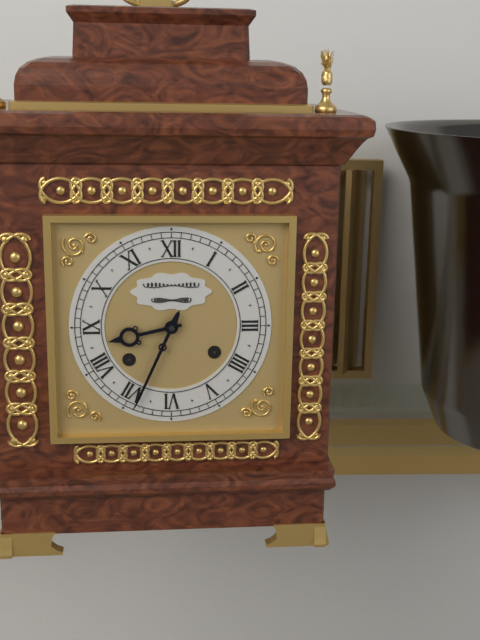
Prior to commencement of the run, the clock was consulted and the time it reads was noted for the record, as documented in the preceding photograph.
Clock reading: 8:34
